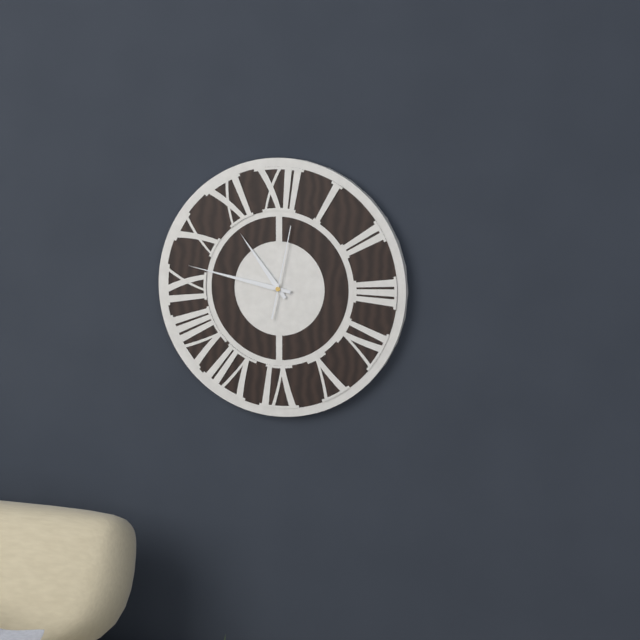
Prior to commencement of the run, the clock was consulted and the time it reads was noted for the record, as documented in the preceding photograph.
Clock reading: 10:47:02
